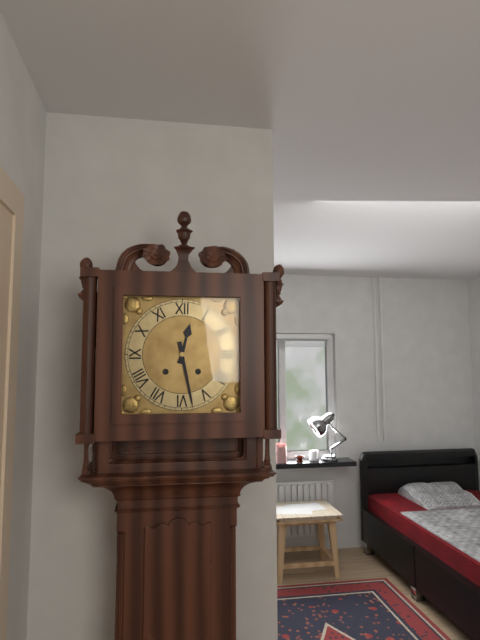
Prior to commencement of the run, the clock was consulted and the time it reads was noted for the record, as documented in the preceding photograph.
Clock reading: 12:28
